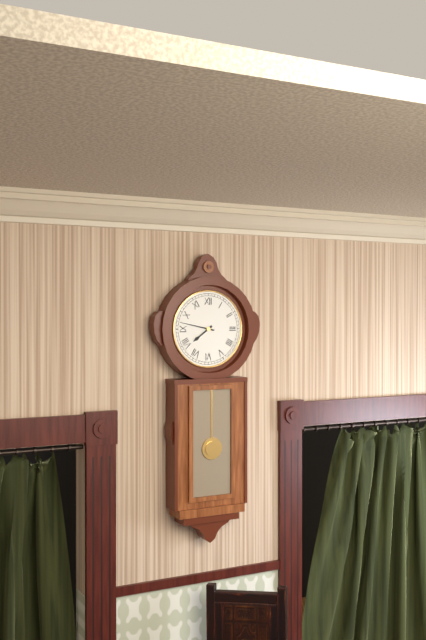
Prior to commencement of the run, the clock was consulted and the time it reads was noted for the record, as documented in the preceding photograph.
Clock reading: 7:47
